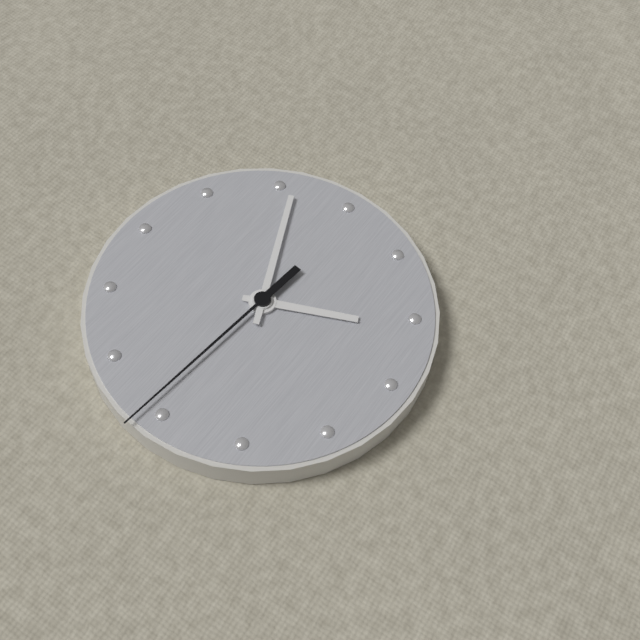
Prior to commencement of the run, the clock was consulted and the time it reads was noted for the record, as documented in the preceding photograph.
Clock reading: 5:11:46
